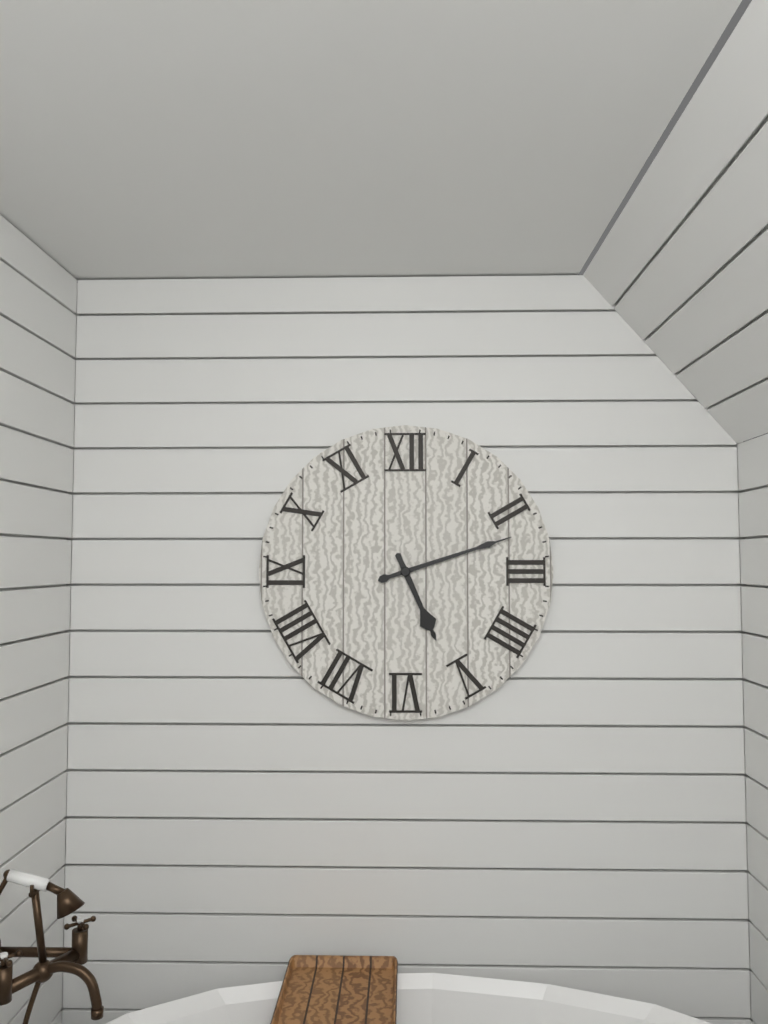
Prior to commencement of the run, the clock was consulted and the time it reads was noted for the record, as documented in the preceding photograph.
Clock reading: 5:12
